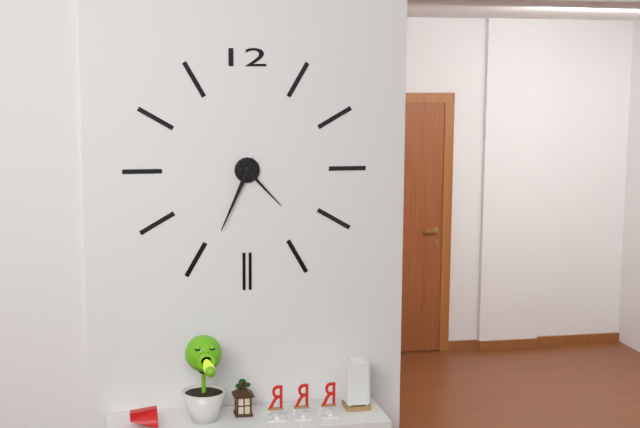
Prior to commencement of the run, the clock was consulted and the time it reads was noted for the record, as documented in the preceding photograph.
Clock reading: 4:34
